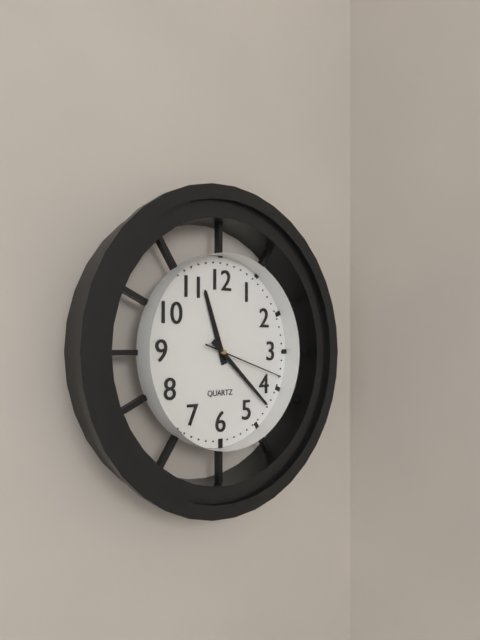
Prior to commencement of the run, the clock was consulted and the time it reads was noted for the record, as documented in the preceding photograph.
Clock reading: 11:22:18
